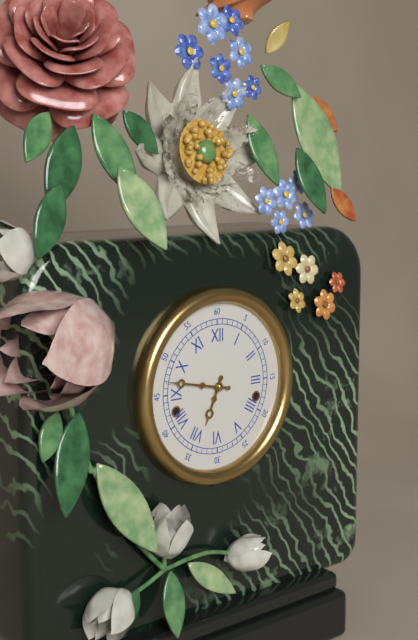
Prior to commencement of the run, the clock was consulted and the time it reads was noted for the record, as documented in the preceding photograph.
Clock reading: 6:47
